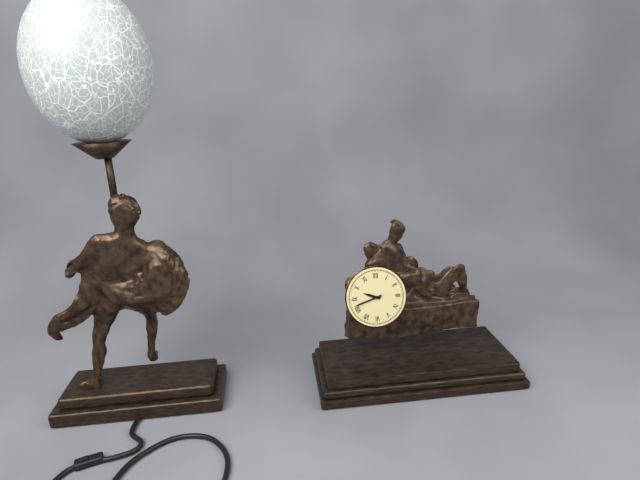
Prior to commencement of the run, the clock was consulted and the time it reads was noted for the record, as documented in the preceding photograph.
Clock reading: 9:42
